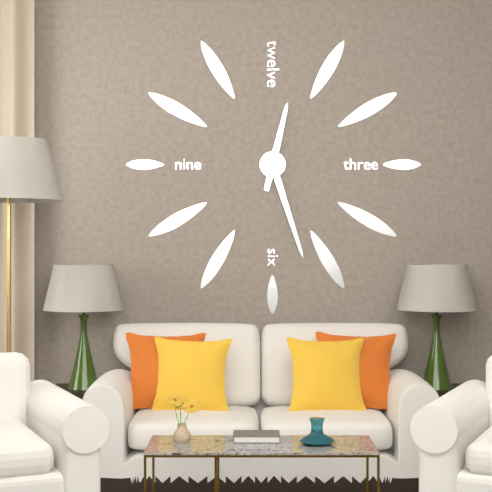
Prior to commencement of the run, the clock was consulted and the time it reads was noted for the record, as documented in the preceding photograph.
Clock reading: 12:27
